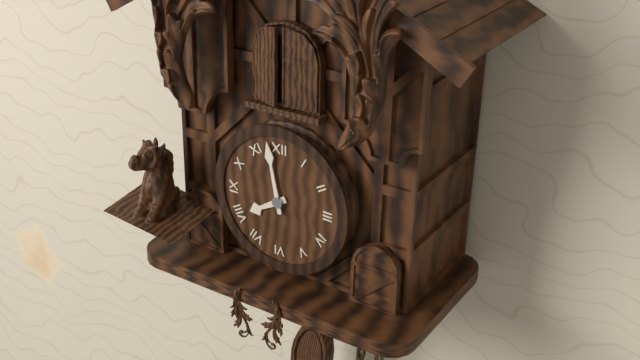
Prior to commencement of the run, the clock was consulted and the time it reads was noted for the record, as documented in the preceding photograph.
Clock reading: 7:58
